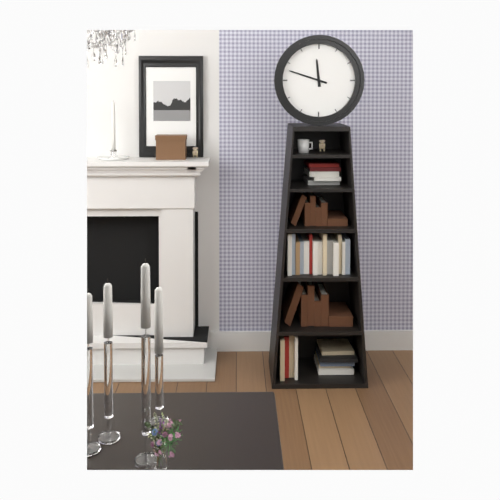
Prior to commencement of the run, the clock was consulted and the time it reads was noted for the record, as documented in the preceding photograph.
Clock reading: 11:48
